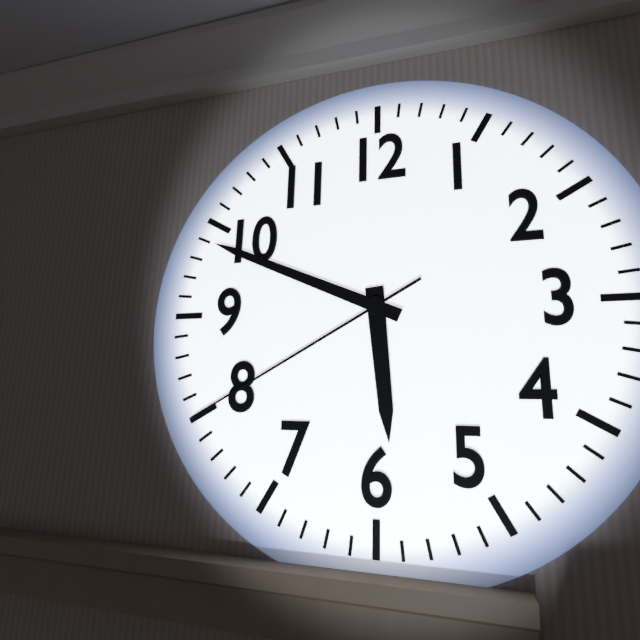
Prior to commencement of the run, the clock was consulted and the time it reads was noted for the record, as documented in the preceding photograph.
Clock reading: 5:49:40
